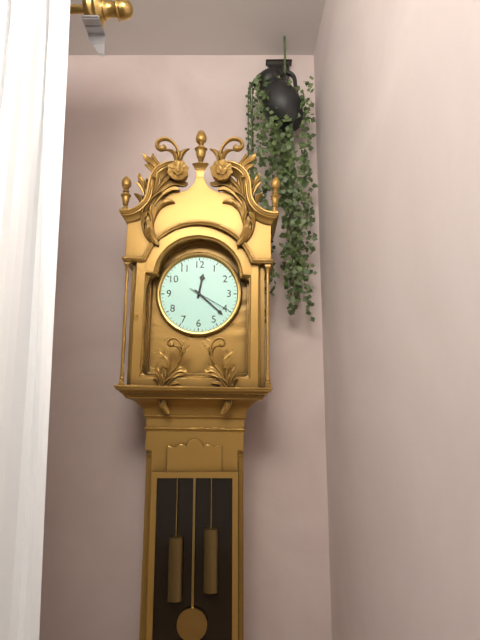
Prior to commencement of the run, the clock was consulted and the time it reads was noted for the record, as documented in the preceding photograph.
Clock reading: 12:22
